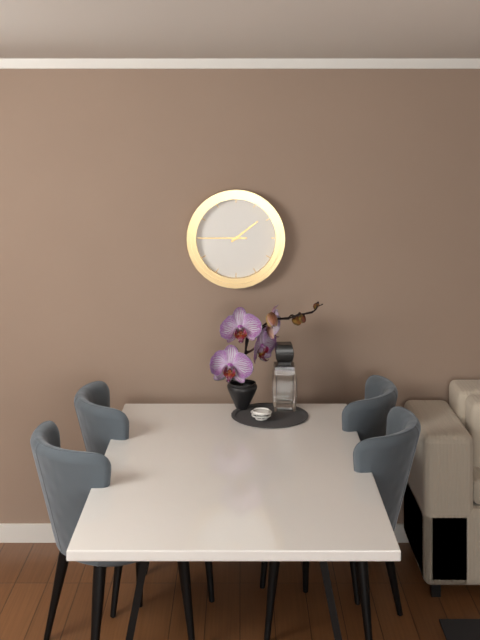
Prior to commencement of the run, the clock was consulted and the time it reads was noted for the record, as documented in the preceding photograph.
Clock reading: 1:45
